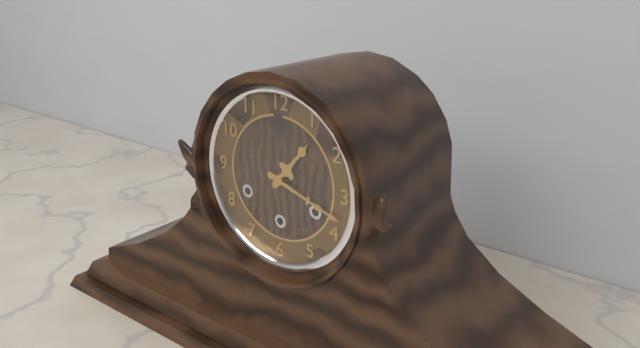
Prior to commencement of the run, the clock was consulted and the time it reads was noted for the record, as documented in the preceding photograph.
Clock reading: 1:18
